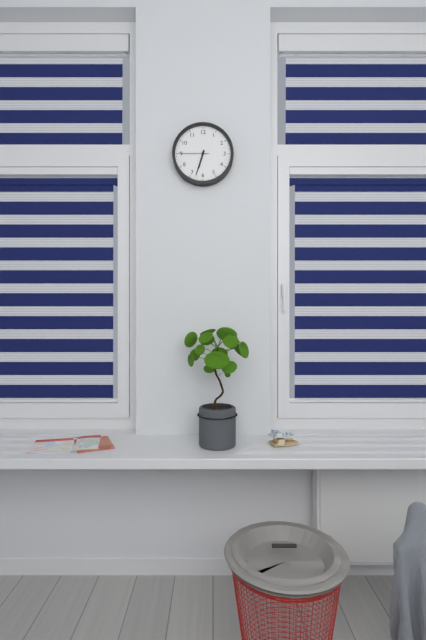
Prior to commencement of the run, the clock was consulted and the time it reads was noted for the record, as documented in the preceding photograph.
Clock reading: 6:33
